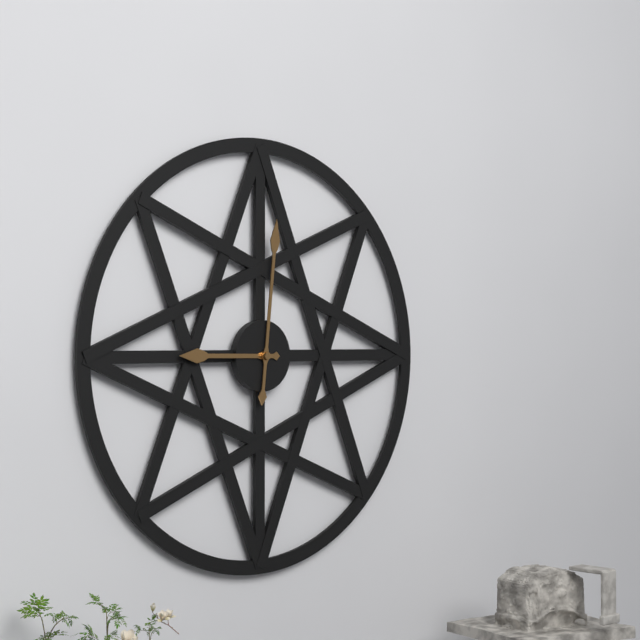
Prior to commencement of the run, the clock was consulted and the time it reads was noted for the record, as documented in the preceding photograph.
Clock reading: 9:01
